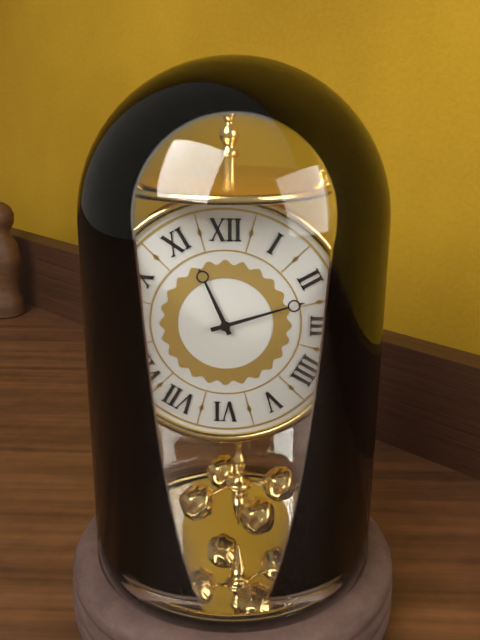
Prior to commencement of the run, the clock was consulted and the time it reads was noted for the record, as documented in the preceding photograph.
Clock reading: 11:12
